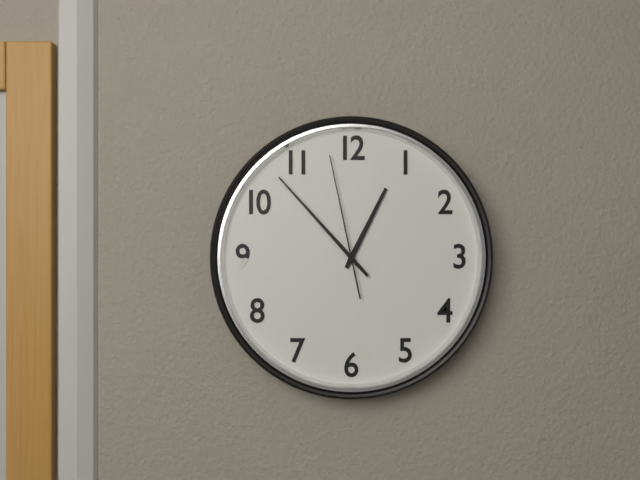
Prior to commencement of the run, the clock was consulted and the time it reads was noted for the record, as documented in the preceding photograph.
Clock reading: 12:53:58
